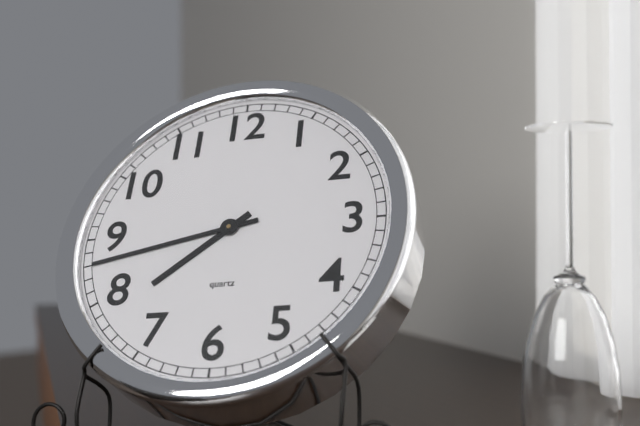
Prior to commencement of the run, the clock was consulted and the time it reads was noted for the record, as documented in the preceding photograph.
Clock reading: 7:43
